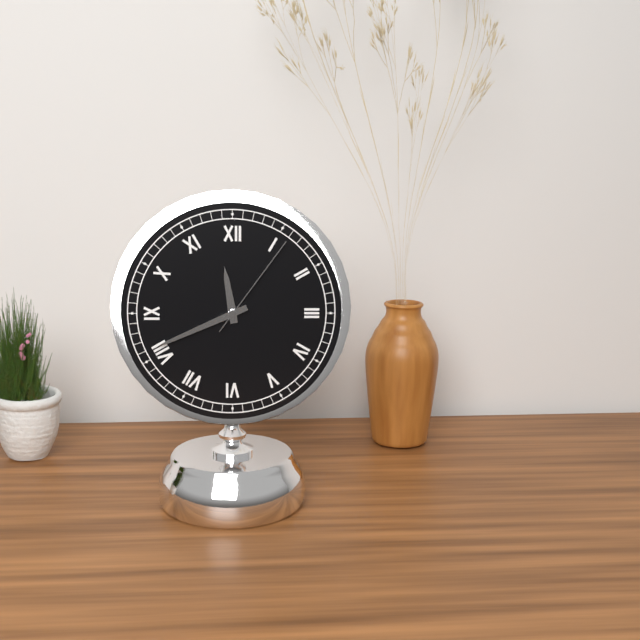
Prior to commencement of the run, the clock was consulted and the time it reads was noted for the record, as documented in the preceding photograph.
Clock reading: 11:41:06
